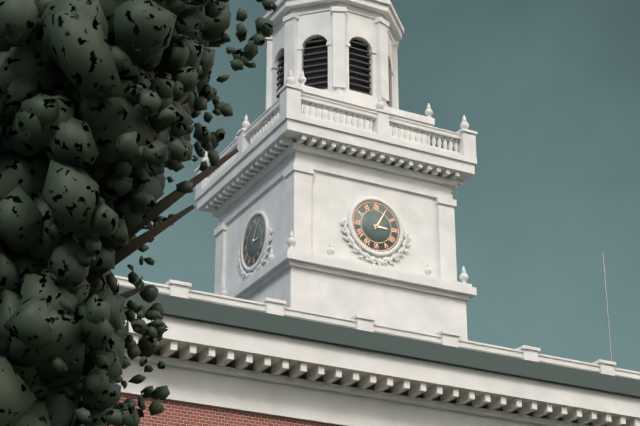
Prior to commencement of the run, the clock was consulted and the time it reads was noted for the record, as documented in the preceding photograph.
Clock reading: 3:05
